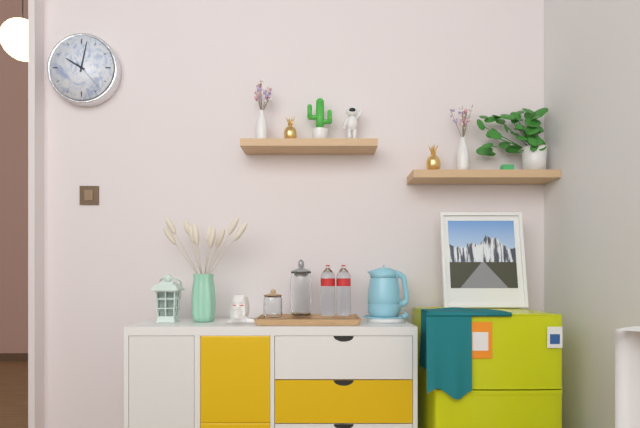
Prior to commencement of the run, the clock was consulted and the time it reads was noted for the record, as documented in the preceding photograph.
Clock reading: 10:02
